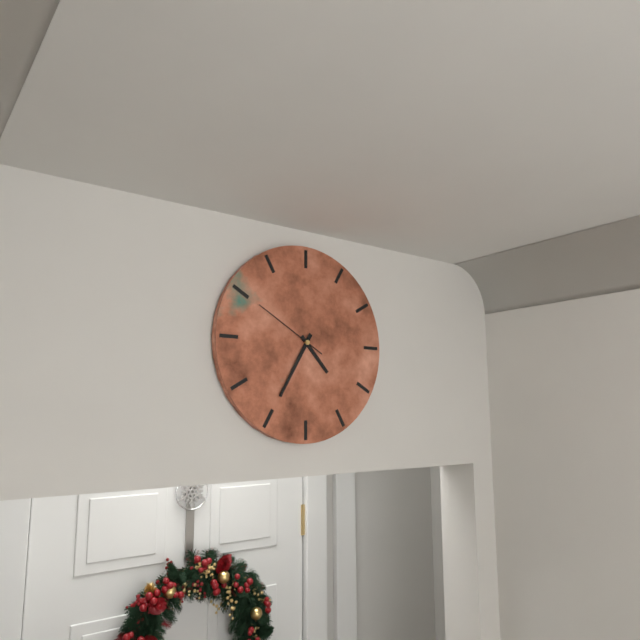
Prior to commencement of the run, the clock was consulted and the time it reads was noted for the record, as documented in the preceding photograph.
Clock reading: 4:35:50
